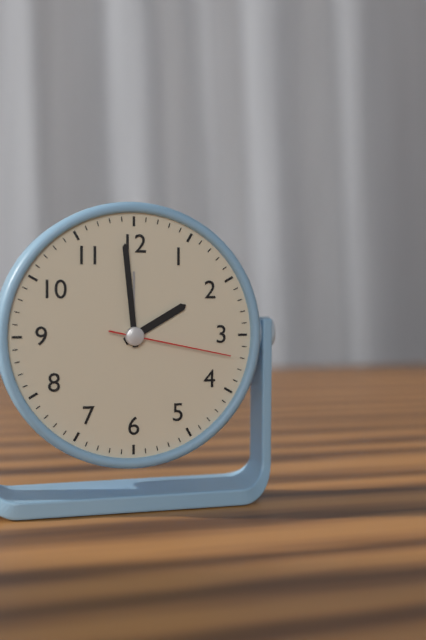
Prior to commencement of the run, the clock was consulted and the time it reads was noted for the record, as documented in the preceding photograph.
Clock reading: 1:59:17
